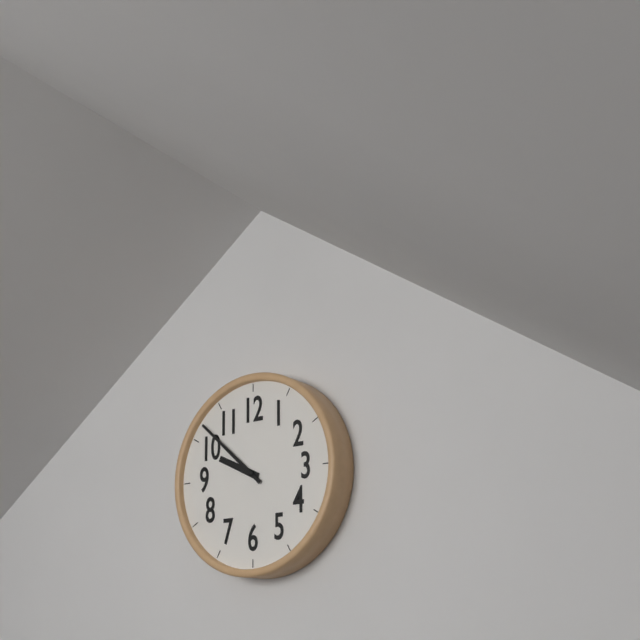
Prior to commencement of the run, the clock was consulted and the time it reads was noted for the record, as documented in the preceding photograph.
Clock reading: 9:52
